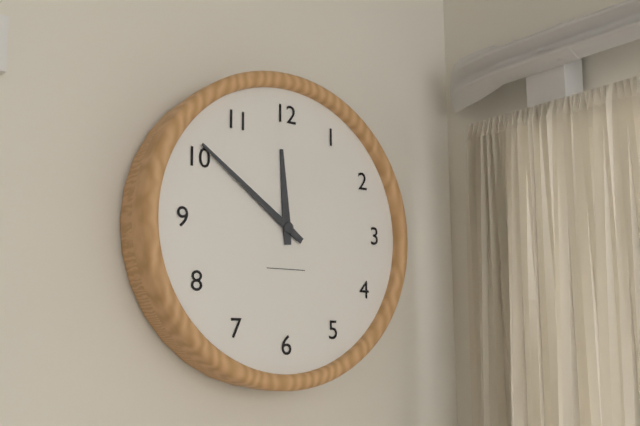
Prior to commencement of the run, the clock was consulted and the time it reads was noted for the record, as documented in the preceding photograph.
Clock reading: 11:51
